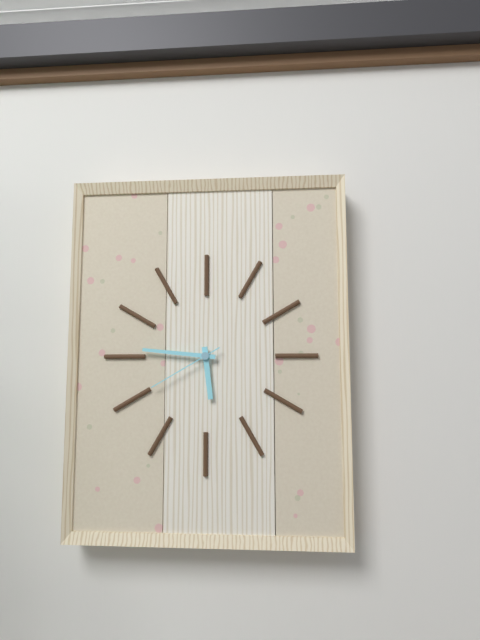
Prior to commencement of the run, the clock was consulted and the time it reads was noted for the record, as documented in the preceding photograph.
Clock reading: 5:46:40
